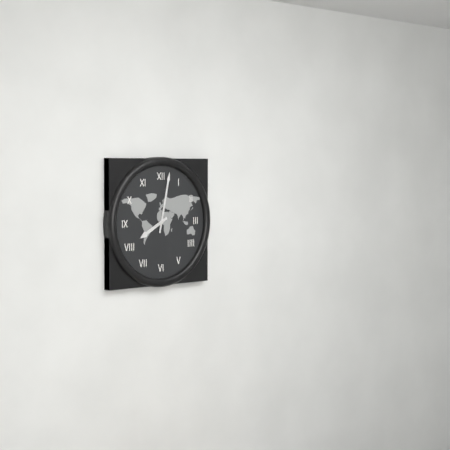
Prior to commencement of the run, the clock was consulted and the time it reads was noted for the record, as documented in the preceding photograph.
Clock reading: 8:02
